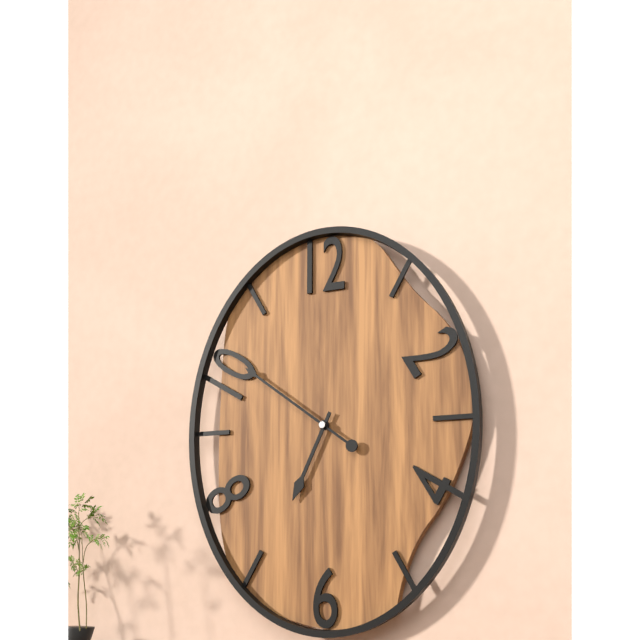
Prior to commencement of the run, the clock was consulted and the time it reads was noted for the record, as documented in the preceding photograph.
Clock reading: 6:51
